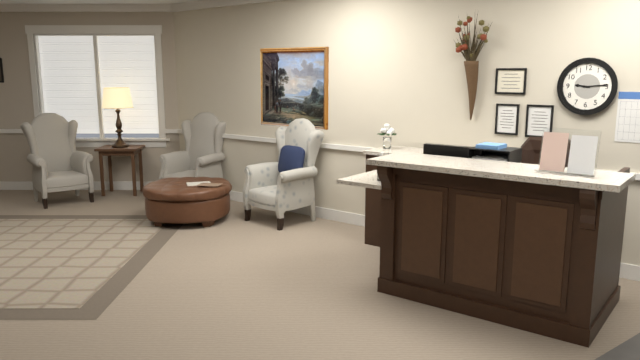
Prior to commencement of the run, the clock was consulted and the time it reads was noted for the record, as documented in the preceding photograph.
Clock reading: 9:14
